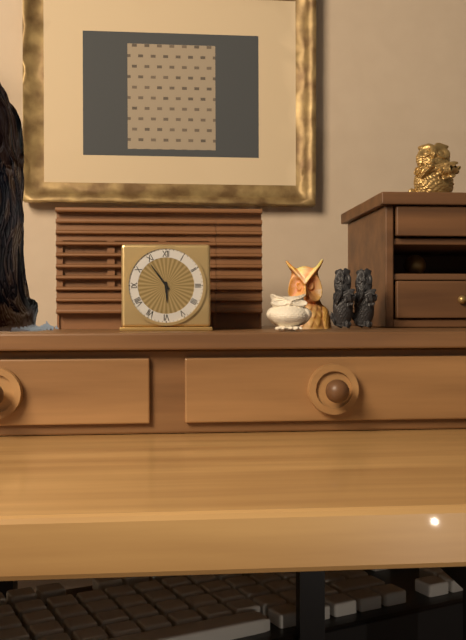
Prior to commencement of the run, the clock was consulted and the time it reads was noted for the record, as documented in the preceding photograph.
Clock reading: 5:54
